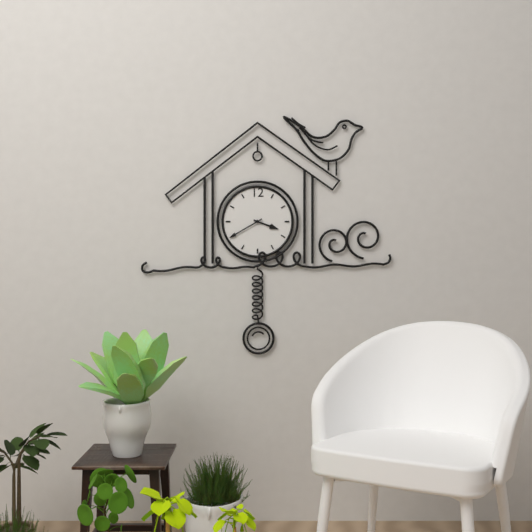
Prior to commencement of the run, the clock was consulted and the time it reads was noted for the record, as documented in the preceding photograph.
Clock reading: 3:40
